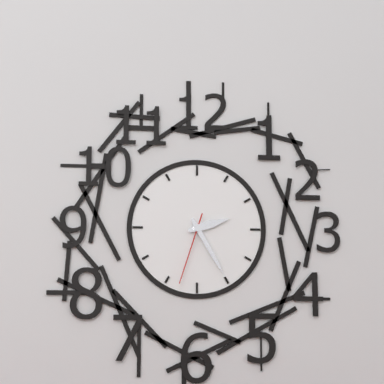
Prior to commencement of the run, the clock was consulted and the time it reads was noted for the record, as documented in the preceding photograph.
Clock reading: 2:25:33
